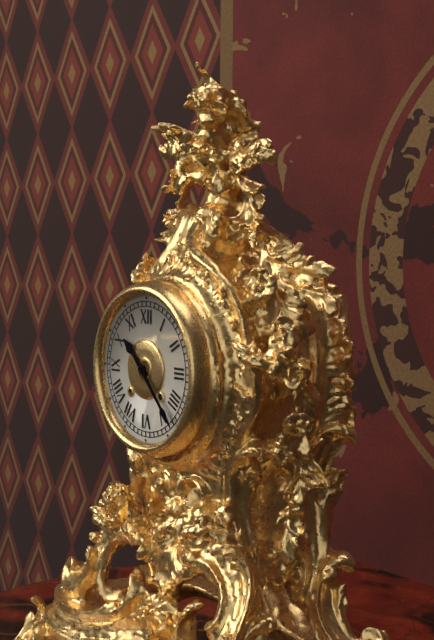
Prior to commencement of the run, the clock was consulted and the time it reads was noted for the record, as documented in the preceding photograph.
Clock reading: 10:23
